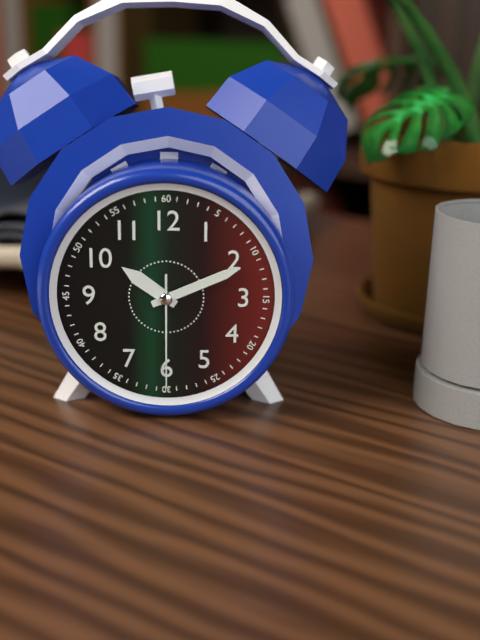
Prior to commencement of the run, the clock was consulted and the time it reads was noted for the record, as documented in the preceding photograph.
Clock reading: 10:11:30
